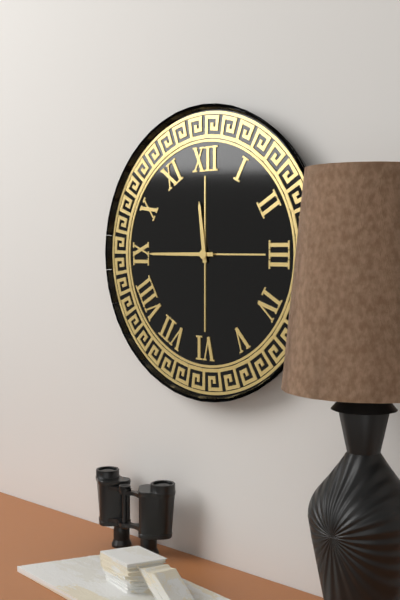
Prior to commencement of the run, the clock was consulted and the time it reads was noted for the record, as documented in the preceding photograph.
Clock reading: 11:45
